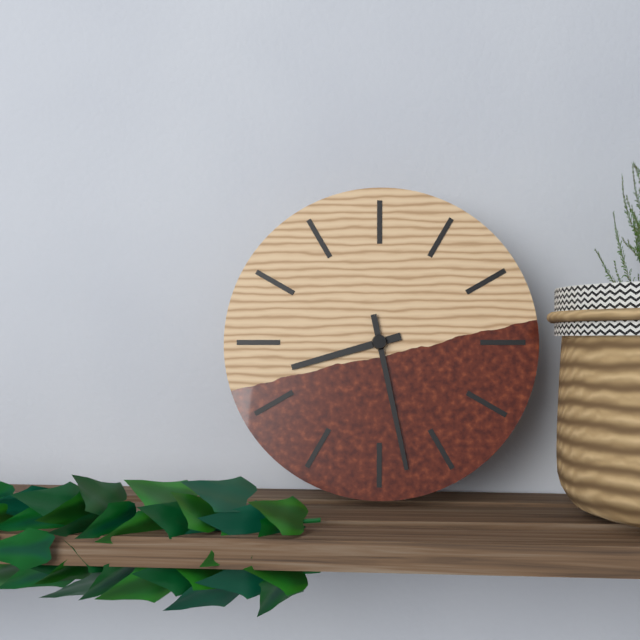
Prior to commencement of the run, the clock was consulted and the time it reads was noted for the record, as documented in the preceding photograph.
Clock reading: 8:28
